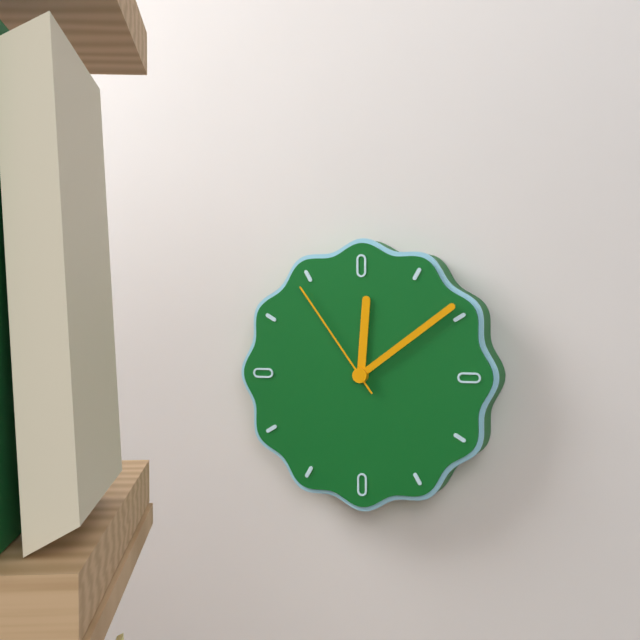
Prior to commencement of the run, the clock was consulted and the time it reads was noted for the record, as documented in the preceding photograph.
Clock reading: 12:09:54
